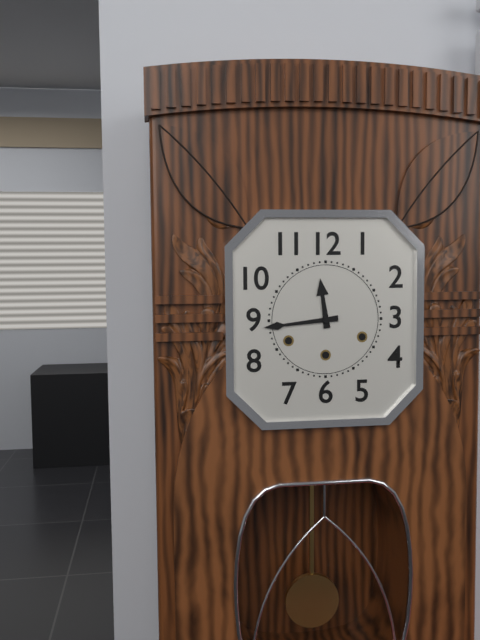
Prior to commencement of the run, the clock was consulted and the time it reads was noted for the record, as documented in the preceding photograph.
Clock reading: 11:44
